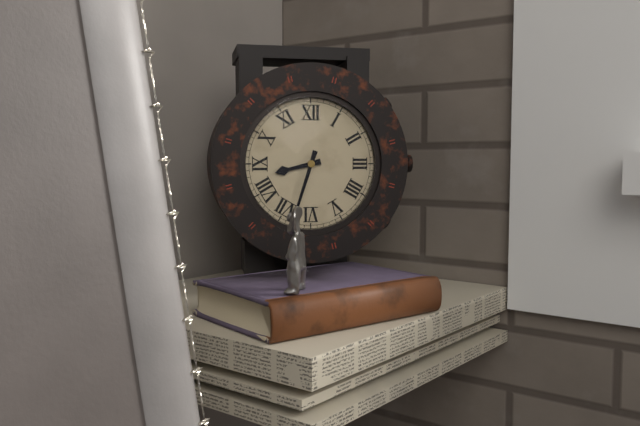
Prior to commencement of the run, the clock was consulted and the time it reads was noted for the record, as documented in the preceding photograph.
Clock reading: 8:33
